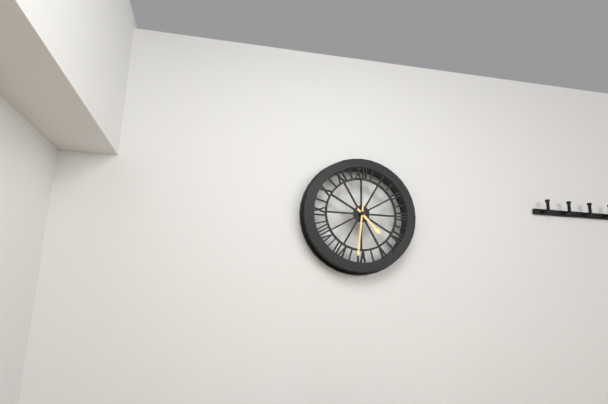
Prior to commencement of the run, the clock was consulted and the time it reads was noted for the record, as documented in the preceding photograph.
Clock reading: 4:31
